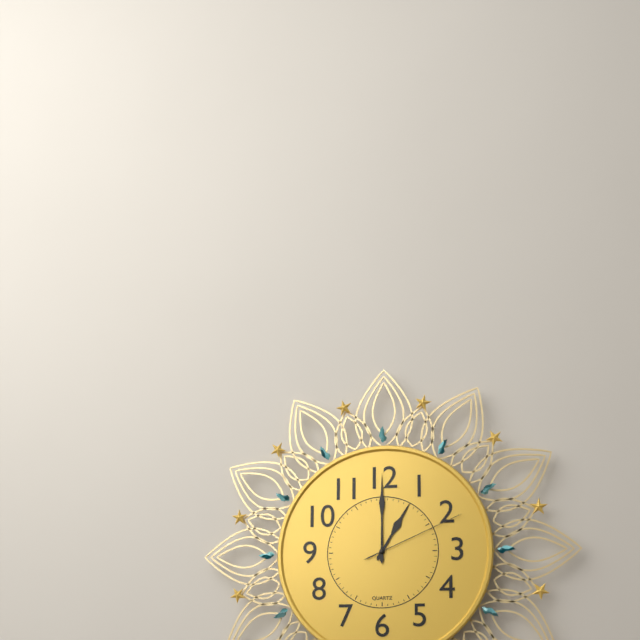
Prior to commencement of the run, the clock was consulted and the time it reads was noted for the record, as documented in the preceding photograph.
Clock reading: 1:00:11
